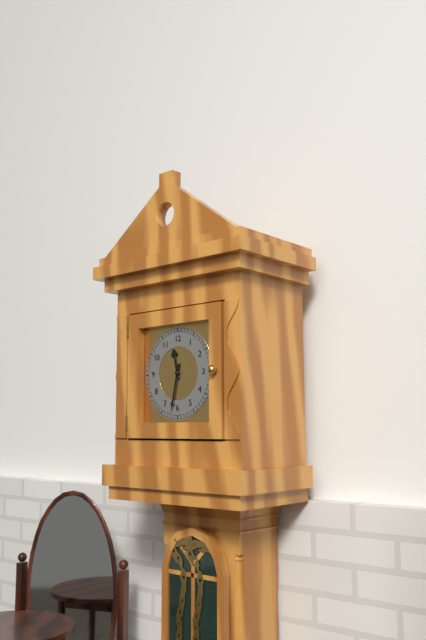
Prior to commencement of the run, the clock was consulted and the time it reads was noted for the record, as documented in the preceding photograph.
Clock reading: 11:32
